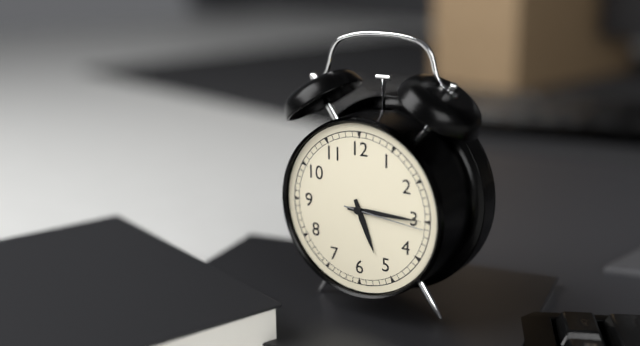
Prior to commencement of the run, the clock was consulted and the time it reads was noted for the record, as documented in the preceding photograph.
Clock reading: 5:15:16
